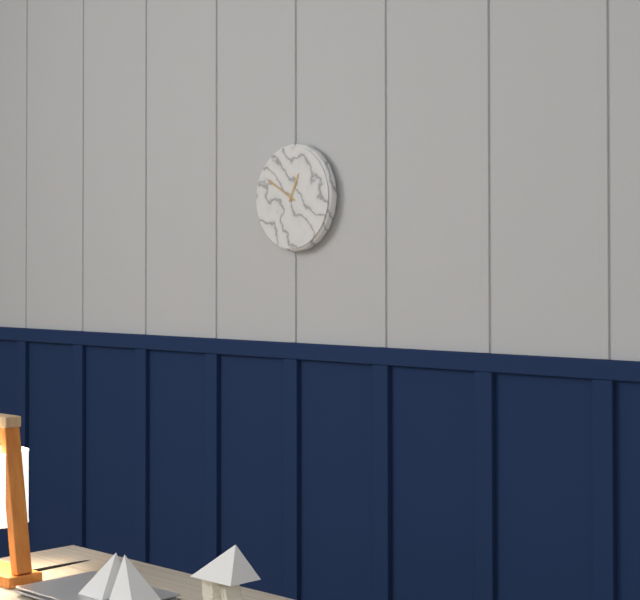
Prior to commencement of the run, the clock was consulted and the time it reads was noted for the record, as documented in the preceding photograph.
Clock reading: 12:50
